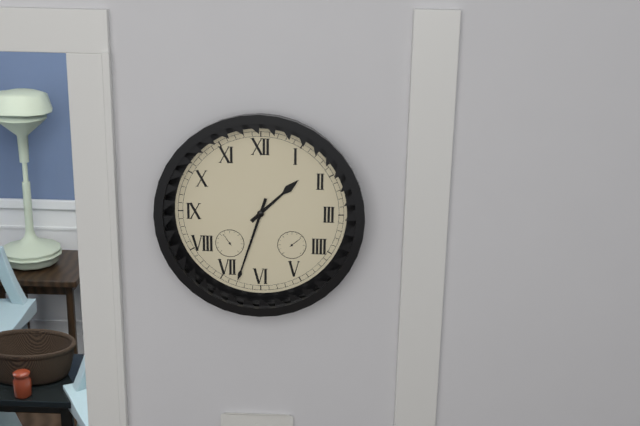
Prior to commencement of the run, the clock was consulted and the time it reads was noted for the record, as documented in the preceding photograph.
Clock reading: 1:33
